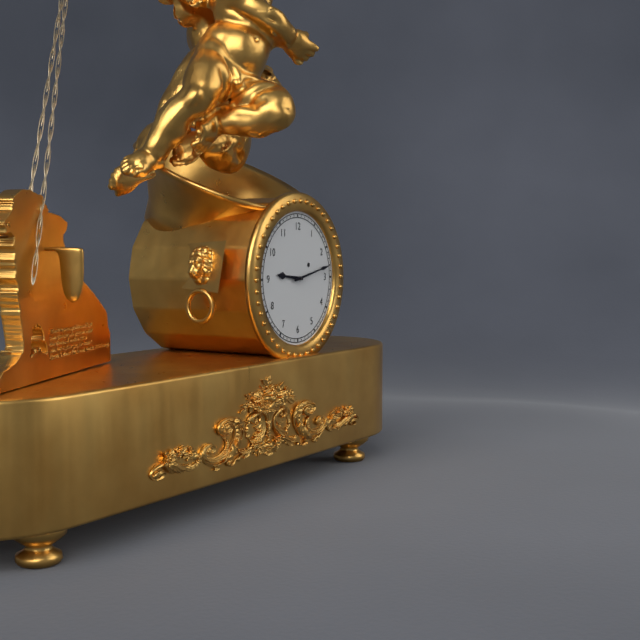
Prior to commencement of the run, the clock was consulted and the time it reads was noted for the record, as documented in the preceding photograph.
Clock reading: 9:13
